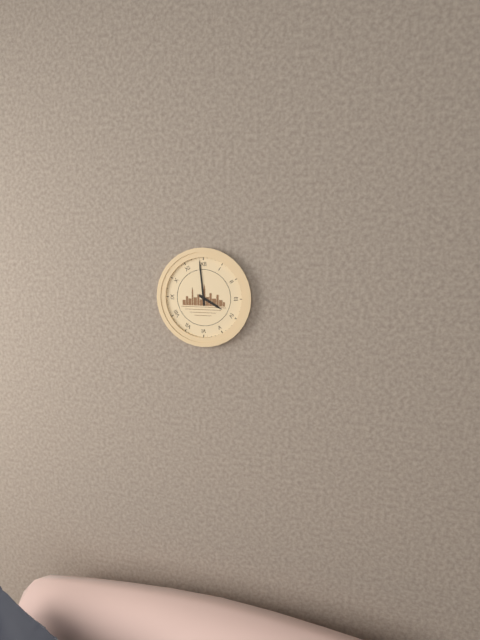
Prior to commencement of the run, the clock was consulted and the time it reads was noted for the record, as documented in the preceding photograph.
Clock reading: 3:59
